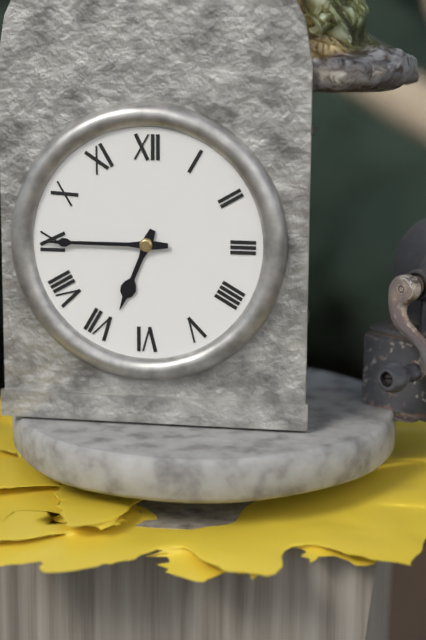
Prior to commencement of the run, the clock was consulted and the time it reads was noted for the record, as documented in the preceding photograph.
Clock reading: 6:45
